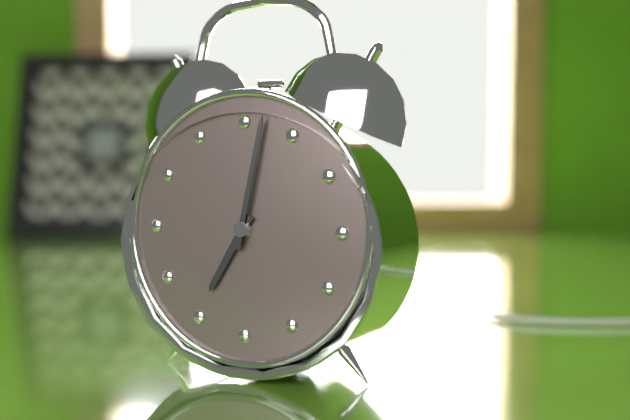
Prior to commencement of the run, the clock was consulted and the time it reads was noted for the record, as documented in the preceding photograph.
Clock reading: 7:02
